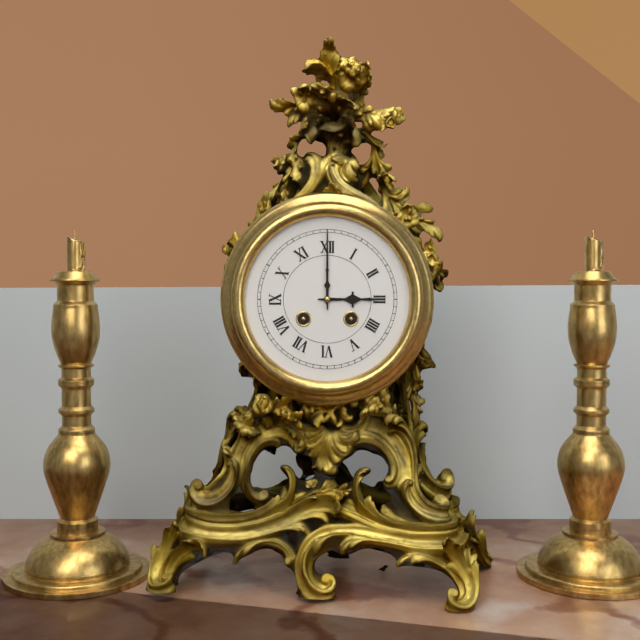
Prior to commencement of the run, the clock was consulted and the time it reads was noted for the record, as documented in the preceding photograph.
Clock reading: 3:00
